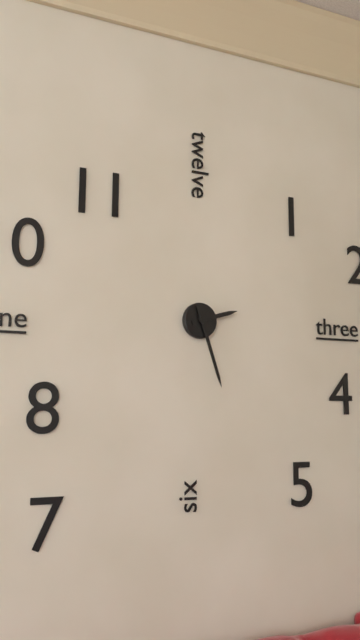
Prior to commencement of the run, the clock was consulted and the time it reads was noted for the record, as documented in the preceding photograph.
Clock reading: 2:27
